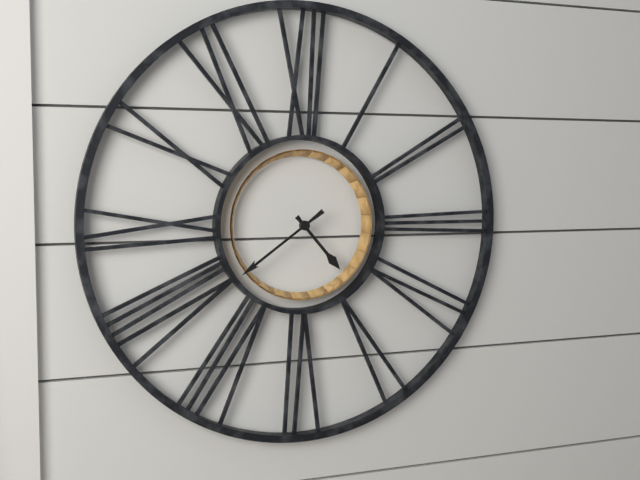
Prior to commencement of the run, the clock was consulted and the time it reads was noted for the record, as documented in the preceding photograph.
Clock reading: 4:39
